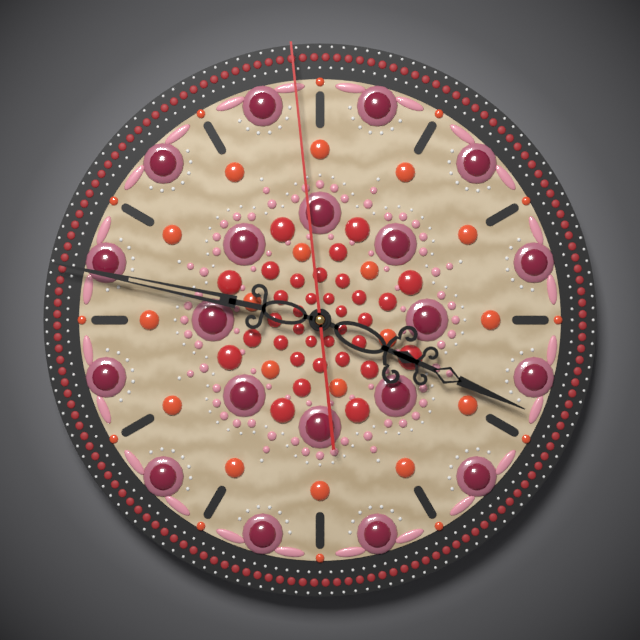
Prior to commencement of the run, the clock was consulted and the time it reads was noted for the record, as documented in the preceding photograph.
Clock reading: 3:47:59
